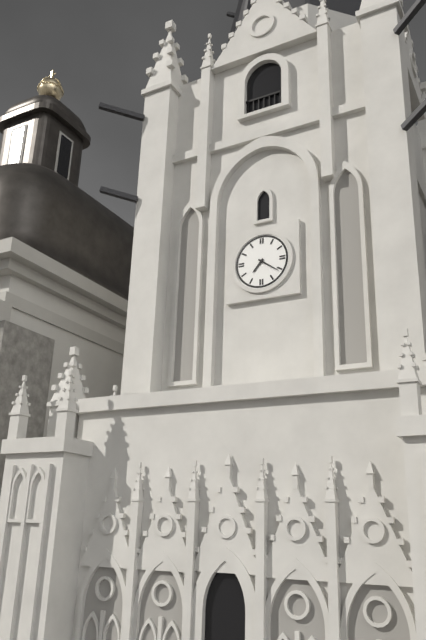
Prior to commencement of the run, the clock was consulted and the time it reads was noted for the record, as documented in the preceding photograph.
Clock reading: 7:21
